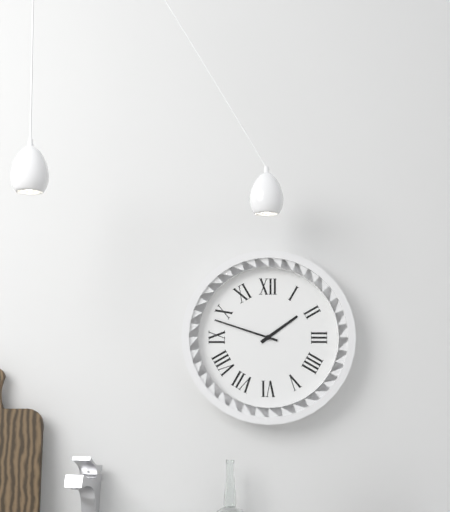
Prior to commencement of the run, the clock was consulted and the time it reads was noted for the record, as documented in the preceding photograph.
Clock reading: 1:48
